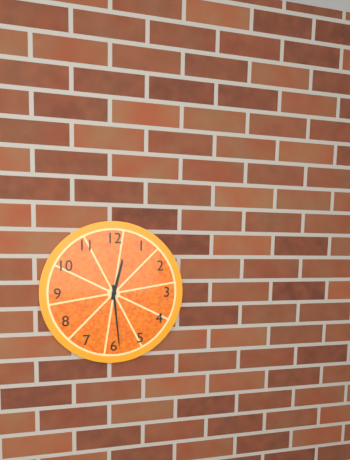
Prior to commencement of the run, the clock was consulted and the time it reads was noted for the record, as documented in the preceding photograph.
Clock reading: 12:29
